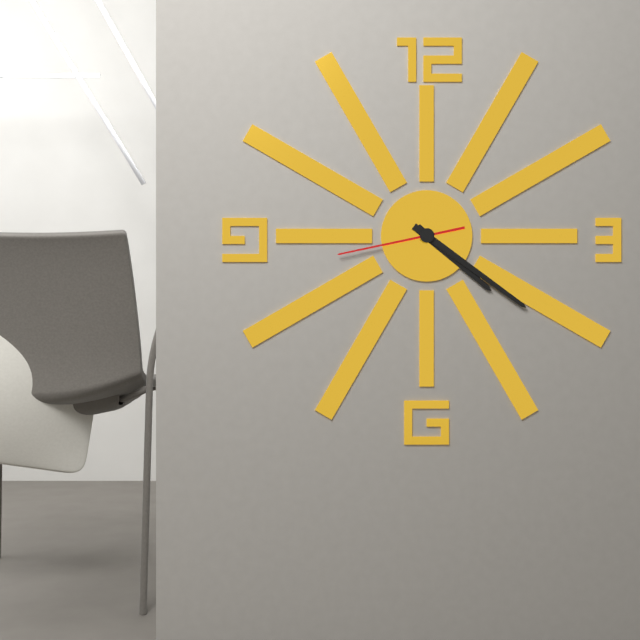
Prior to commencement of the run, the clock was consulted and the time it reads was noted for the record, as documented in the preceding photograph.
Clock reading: 4:21:43
